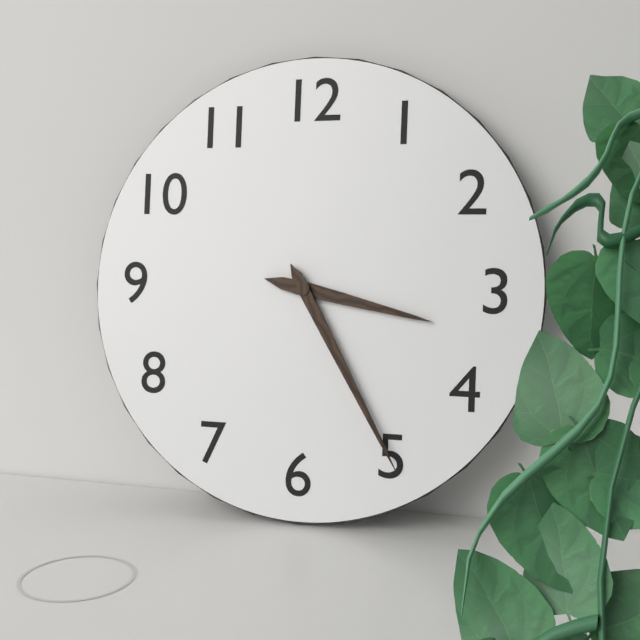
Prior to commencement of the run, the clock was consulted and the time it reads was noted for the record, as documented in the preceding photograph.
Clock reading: 3:25
